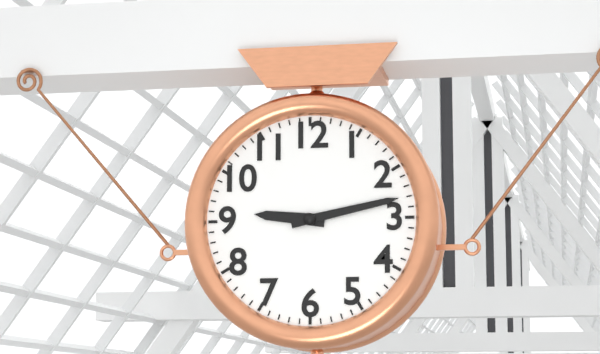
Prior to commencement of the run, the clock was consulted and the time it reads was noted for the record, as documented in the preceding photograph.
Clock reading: 9:13
